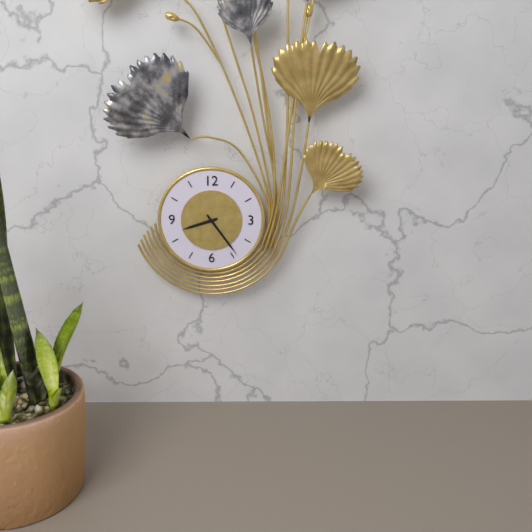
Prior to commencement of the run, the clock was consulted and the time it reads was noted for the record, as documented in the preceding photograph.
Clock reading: 8:24
